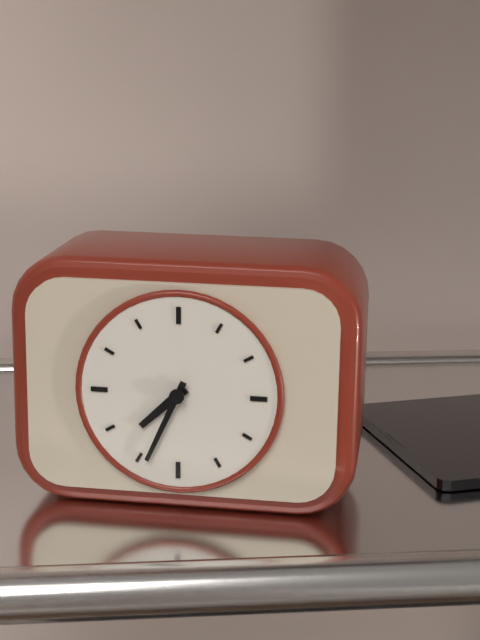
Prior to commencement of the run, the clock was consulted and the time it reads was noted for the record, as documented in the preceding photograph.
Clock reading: 7:34
